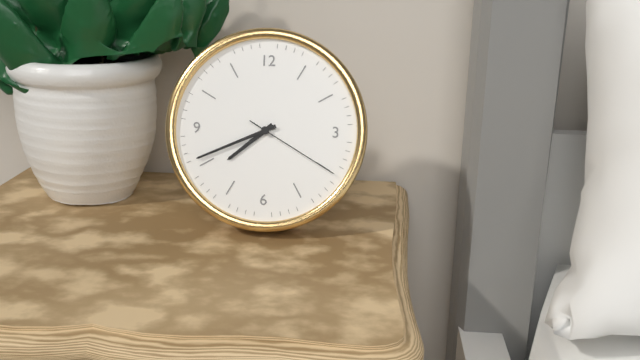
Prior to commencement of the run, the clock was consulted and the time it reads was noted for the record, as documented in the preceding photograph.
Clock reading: 7:41:20
